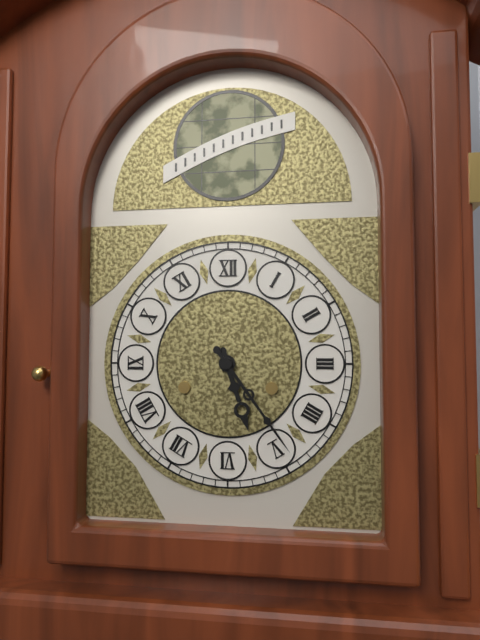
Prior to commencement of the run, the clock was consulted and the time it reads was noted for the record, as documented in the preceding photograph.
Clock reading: 5:24
